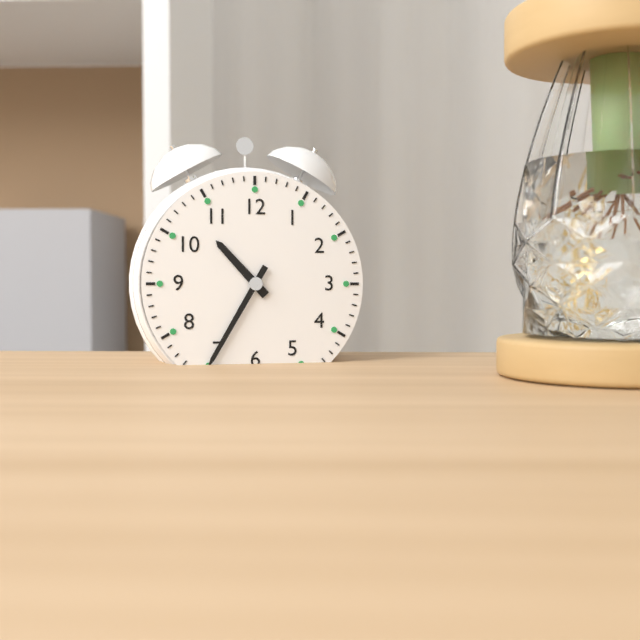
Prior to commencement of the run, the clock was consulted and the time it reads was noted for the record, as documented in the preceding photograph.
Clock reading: 10:35
